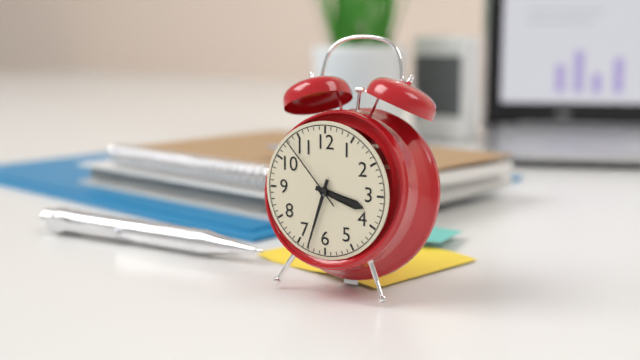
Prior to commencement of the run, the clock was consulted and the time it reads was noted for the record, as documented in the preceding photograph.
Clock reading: 3:33:53
